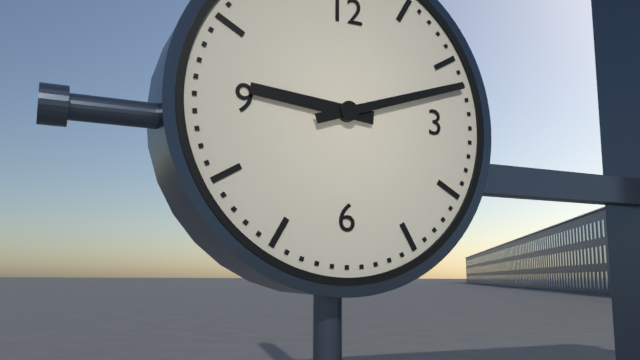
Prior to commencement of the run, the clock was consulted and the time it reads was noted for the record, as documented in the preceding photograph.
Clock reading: 9:12
